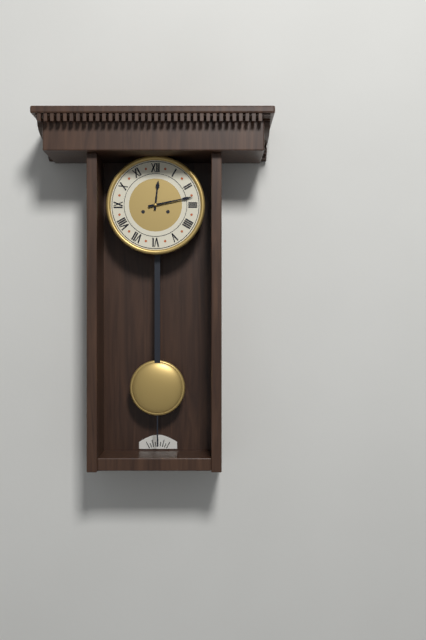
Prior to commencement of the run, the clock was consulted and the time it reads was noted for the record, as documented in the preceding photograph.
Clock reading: 12:13
